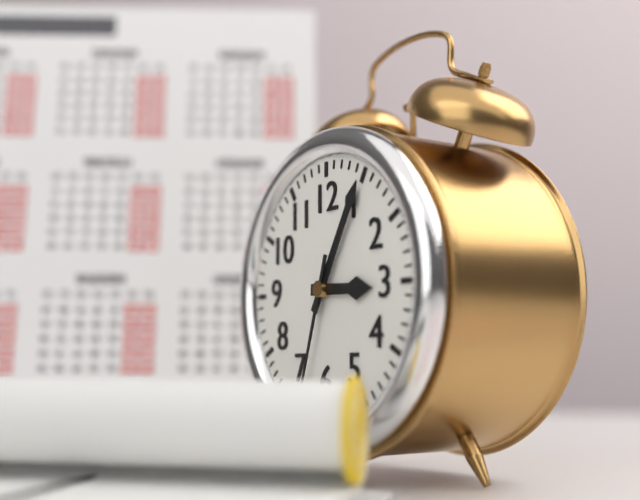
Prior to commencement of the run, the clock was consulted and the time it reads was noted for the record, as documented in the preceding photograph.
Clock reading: 3:05:33
